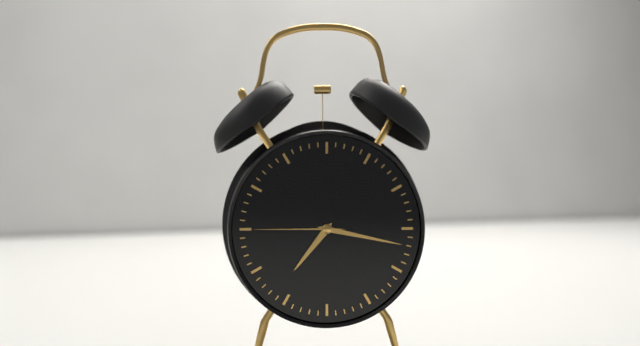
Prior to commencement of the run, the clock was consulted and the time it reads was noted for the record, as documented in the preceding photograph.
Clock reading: 7:17:45
